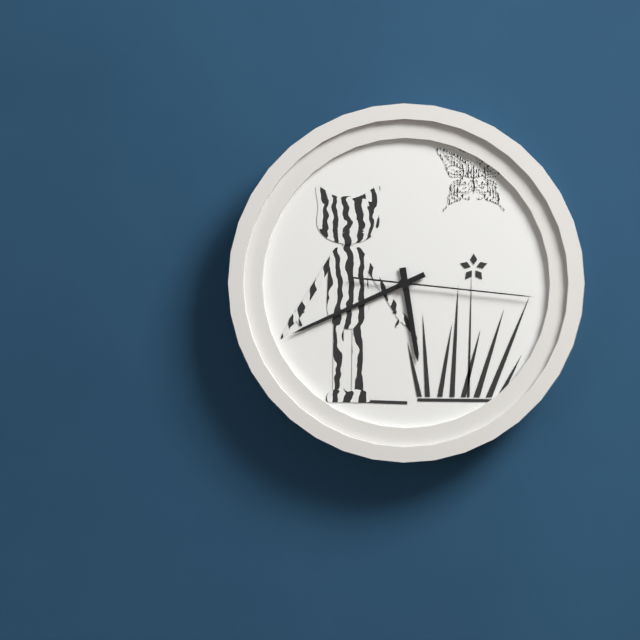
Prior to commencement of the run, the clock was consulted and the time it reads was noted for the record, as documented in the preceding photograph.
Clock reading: 5:41:16
